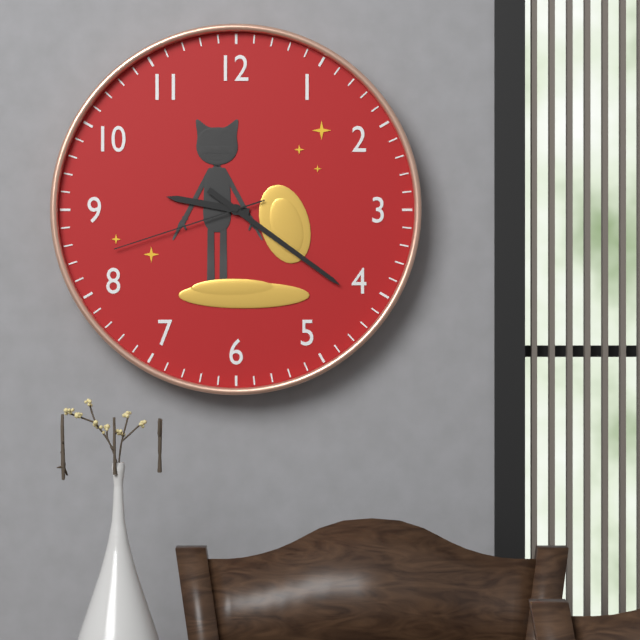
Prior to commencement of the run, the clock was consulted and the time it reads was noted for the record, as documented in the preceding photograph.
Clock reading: 9:21:42
